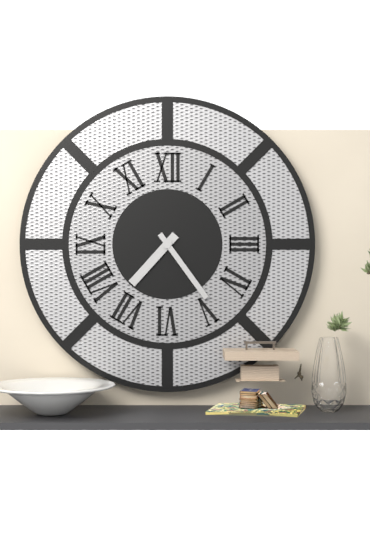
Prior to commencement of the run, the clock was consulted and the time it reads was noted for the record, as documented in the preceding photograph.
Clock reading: 7:24
